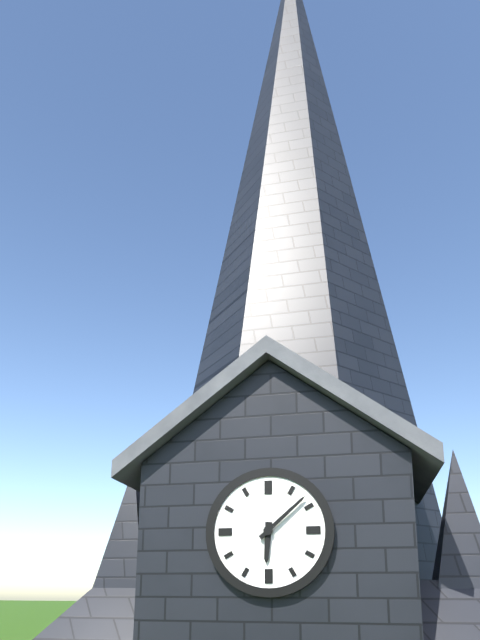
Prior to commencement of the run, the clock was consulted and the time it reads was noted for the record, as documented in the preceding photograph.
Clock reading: 6:08
